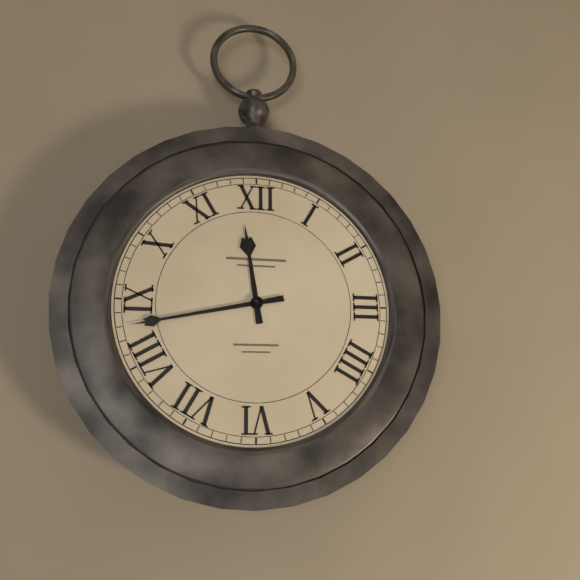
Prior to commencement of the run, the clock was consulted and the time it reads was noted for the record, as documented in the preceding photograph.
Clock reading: 11:43
